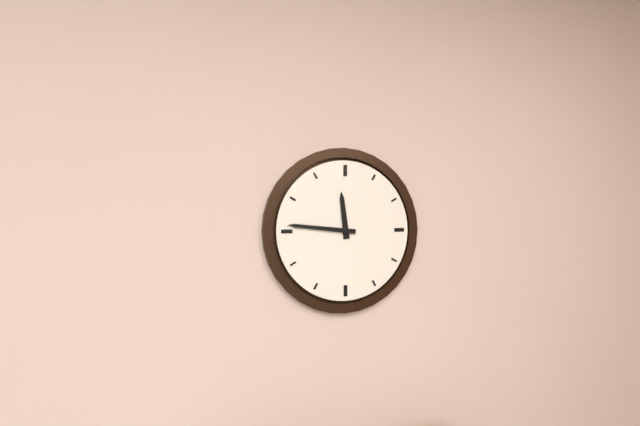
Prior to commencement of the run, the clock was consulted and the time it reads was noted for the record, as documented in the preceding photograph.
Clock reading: 11:46
